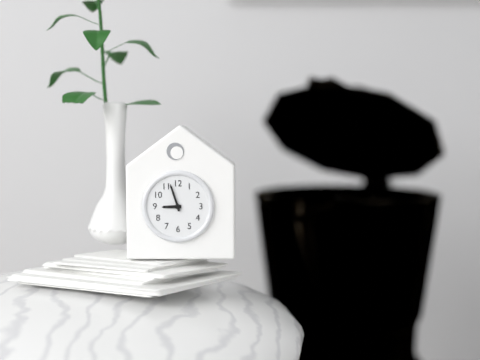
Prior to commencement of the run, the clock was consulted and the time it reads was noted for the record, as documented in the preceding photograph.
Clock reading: 8:57
